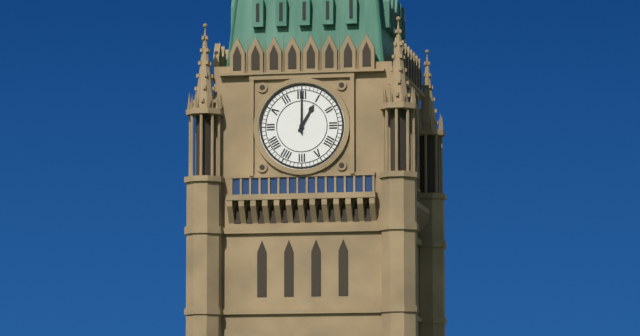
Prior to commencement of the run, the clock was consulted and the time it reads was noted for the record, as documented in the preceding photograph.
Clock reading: 1:00
